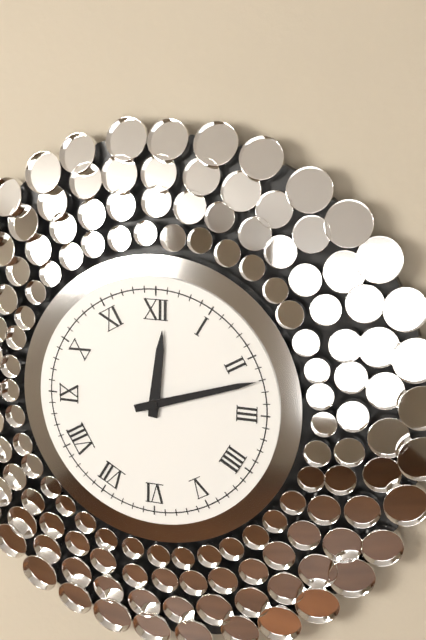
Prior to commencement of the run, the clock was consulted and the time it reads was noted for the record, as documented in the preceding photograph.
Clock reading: 12:12
